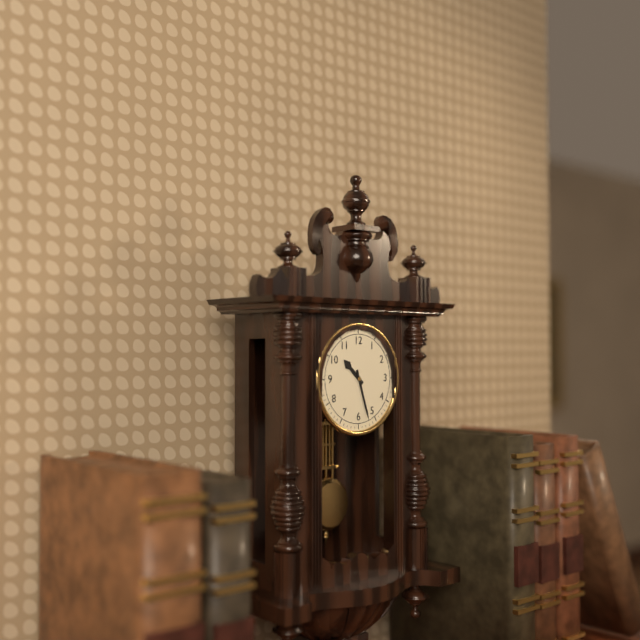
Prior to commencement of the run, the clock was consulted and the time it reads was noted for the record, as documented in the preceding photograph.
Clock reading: 10:27
